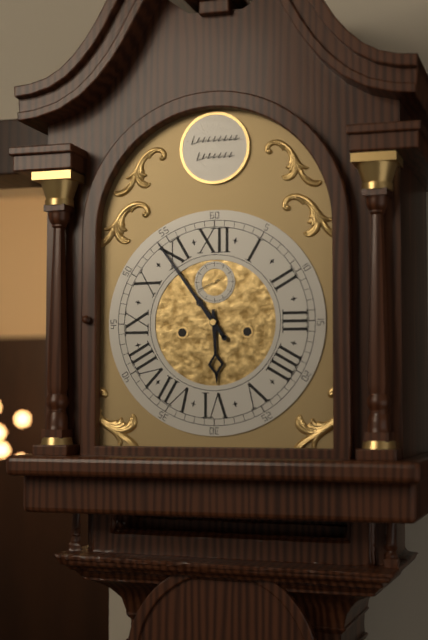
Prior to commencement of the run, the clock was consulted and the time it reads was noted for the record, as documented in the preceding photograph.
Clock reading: 5:54:41
